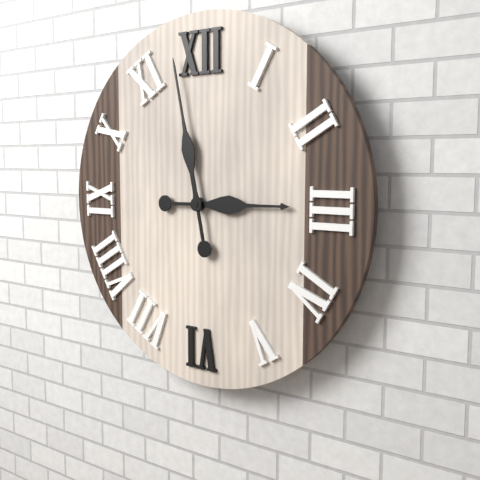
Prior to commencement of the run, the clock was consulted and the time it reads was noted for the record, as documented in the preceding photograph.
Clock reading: 2:58
